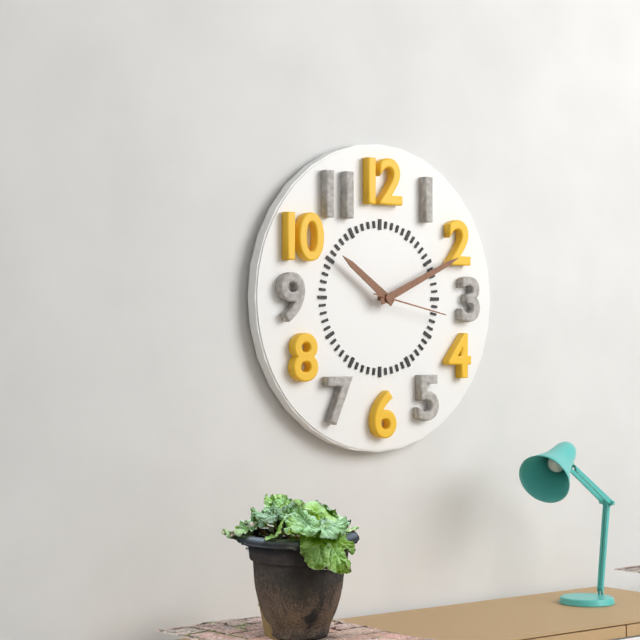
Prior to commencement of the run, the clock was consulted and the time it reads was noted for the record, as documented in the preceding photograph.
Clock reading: 10:11:17
